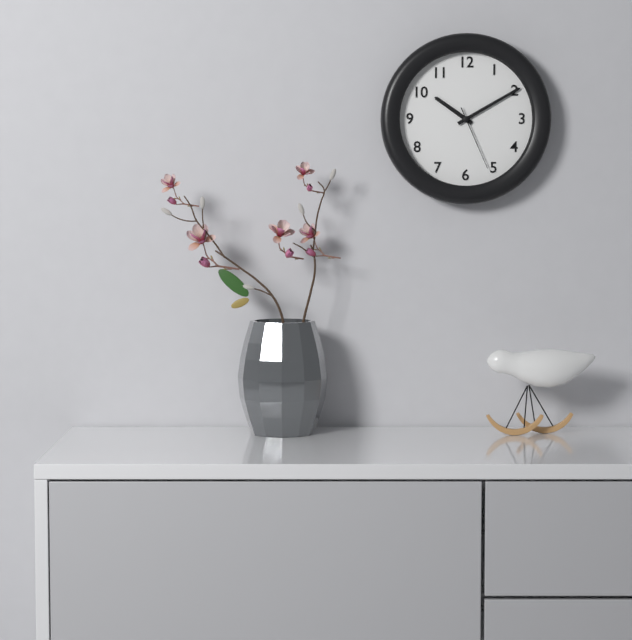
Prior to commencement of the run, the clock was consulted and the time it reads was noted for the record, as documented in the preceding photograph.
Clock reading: 10:10:26
